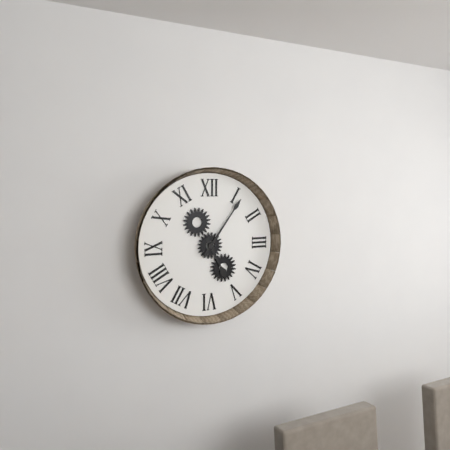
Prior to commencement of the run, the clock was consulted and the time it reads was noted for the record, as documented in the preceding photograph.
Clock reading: 5:06
